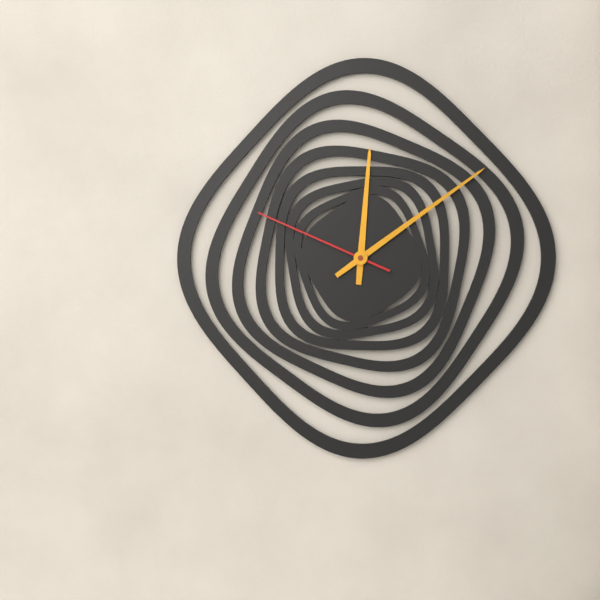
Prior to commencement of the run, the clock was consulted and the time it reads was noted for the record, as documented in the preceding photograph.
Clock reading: 12:09:49
